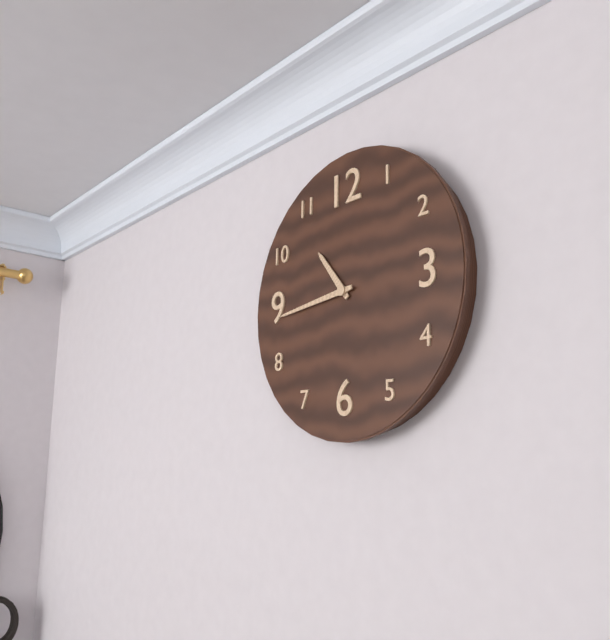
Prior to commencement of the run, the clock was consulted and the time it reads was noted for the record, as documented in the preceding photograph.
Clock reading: 10:44
